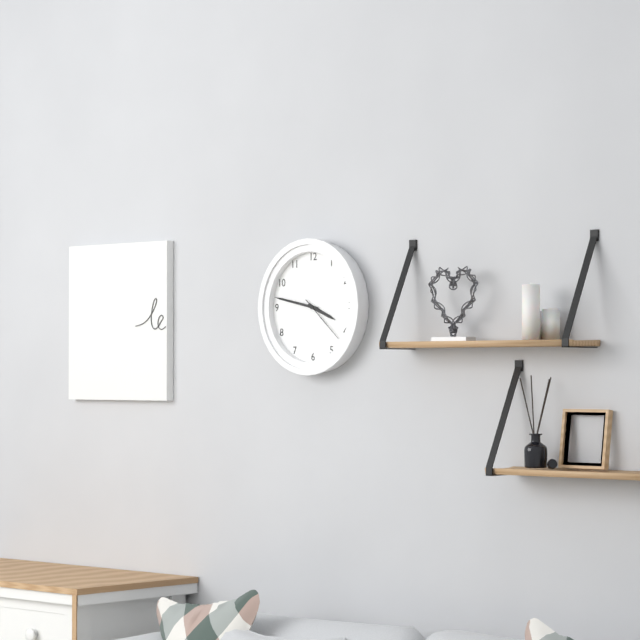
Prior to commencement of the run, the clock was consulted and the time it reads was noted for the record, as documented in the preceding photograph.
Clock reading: 3:47:22
